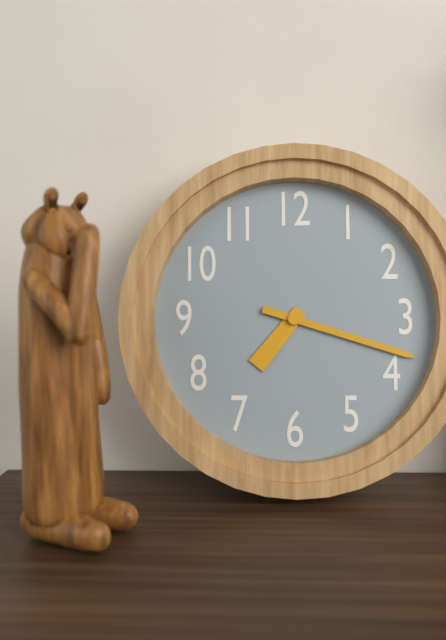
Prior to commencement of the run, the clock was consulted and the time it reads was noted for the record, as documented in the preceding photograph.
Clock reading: 7:18
